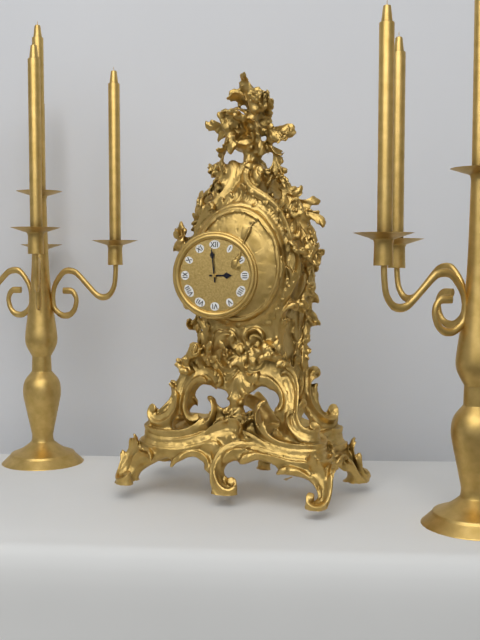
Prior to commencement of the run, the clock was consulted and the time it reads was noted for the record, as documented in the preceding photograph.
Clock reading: 2:59
